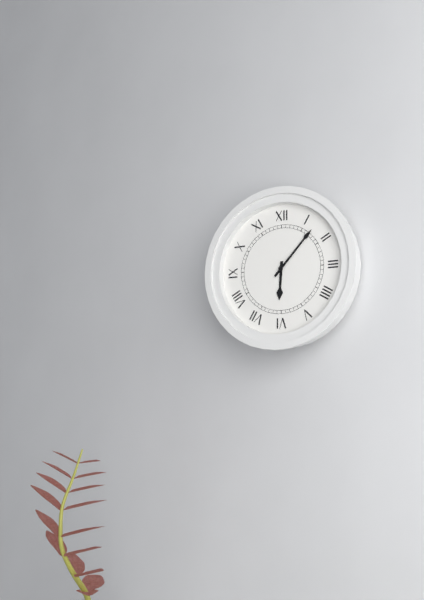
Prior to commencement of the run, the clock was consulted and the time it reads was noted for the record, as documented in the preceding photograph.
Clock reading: 6:07
